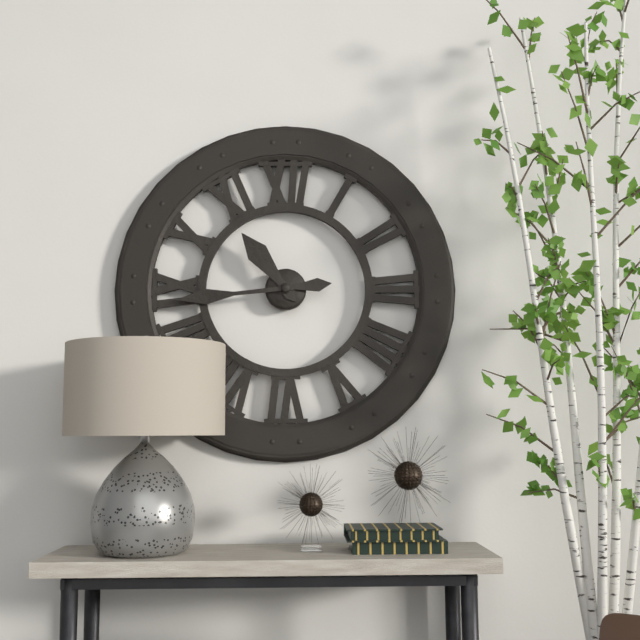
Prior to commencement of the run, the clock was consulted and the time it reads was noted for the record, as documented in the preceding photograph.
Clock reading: 10:44
